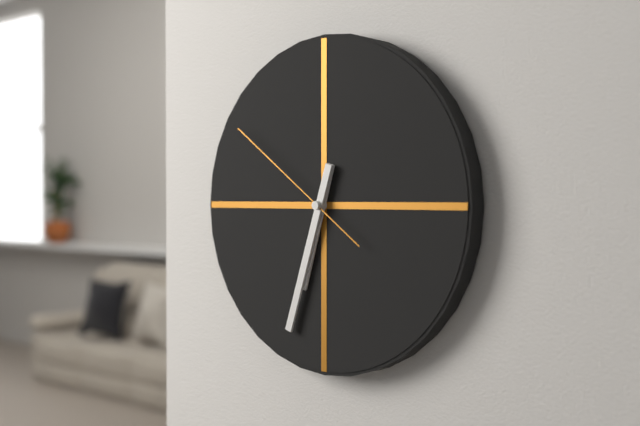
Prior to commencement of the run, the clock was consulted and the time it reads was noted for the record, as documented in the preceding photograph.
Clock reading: 6:33:51
